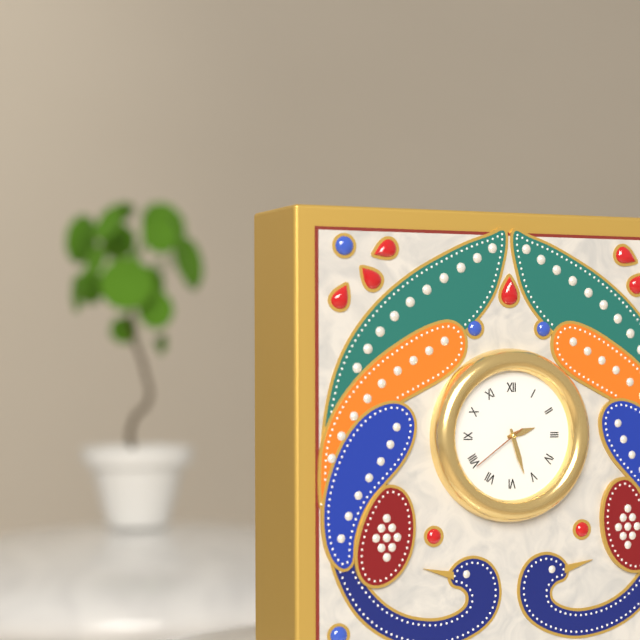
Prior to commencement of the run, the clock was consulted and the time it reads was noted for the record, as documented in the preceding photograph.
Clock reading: 2:27:39
